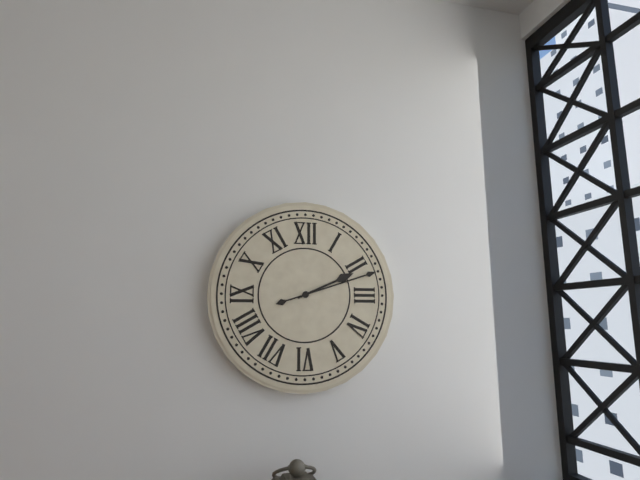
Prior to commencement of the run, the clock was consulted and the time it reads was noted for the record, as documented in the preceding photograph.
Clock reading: 2:12
